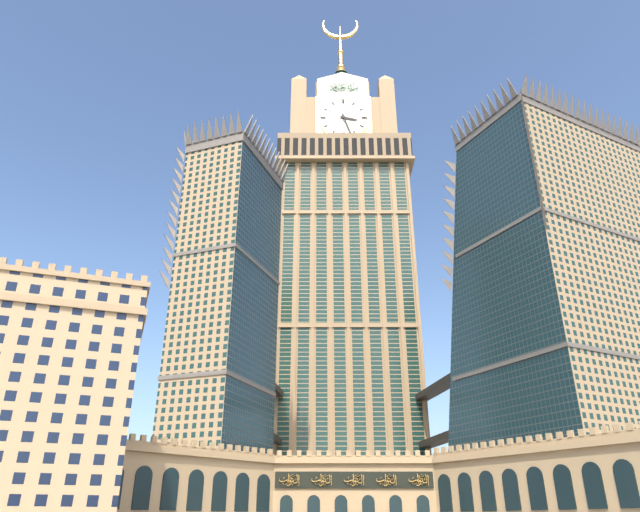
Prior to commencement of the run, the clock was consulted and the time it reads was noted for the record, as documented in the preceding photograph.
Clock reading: 3:27
